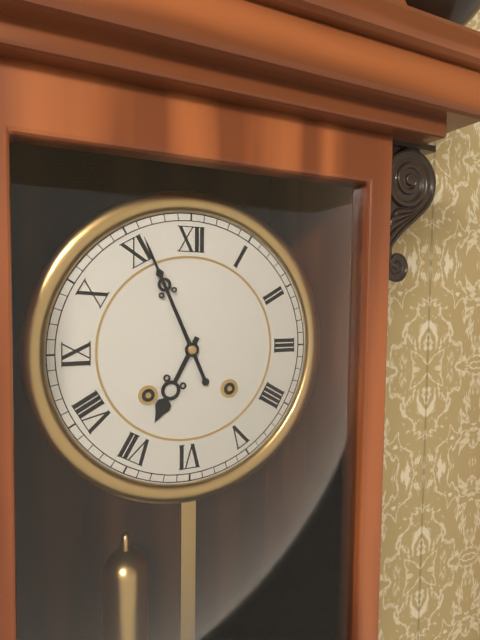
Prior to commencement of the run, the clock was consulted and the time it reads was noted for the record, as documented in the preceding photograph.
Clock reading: 6:56
